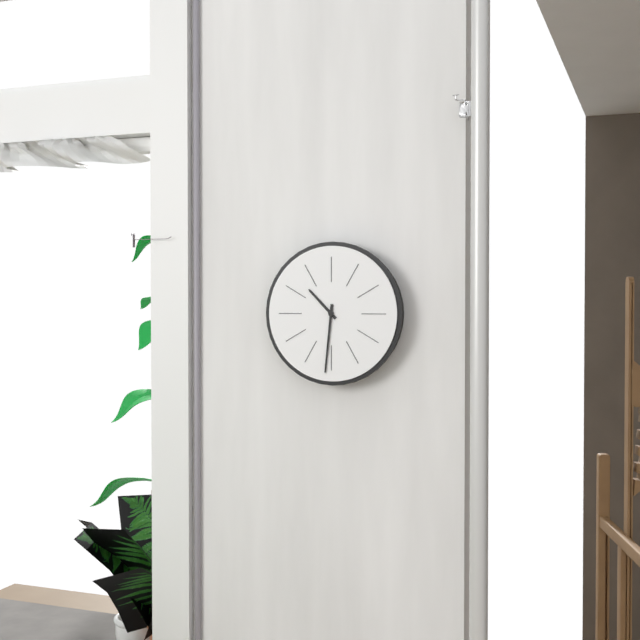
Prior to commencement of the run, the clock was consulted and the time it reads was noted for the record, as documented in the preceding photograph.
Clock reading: 10:31
